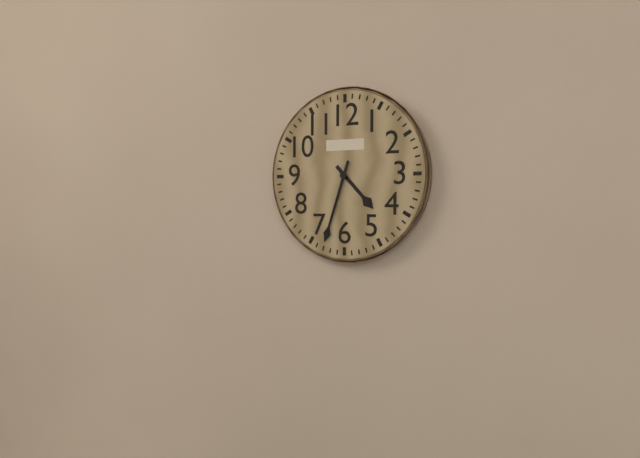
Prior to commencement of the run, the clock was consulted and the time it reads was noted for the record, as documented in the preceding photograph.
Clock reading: 4:33
